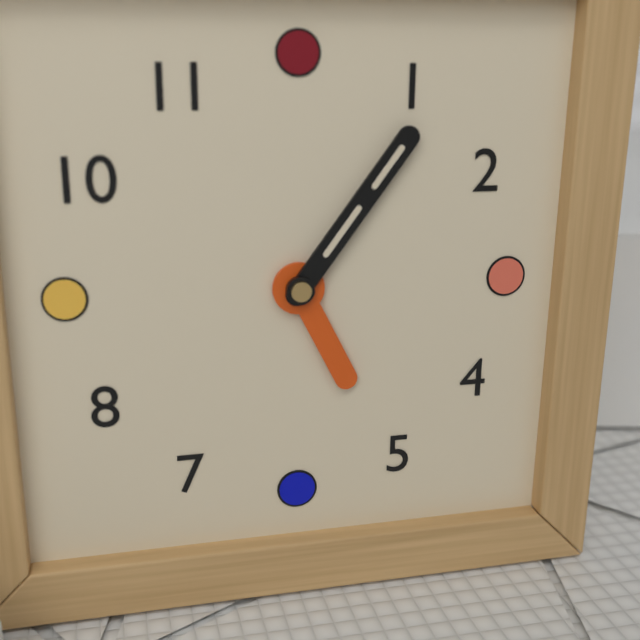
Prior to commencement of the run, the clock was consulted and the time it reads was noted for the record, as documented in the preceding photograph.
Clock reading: 5:06
